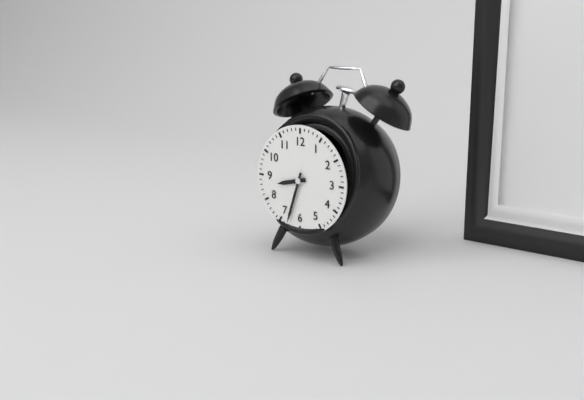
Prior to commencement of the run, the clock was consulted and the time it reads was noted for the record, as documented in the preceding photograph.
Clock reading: 8:33
